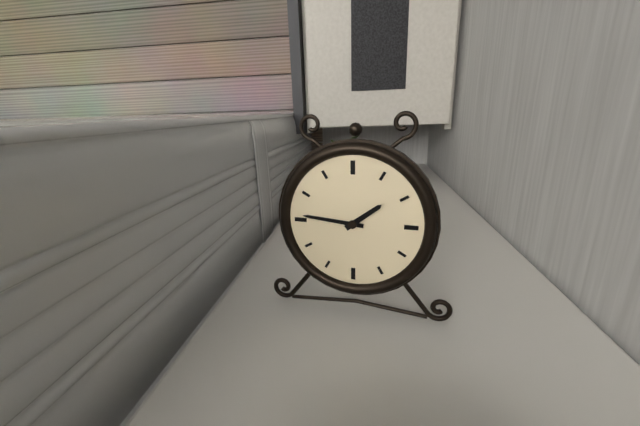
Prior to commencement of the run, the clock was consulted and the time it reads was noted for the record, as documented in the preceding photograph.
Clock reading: 1:46
